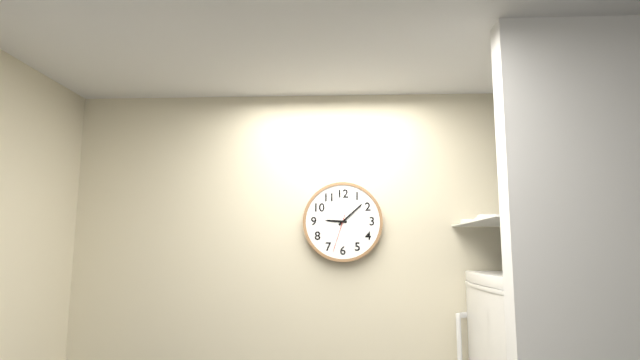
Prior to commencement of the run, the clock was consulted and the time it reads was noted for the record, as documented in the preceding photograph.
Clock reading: 9:08
